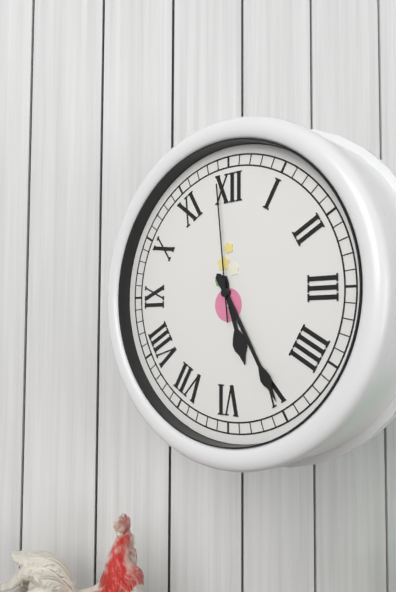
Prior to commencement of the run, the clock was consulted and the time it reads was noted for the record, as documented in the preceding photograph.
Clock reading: 5:25:59
